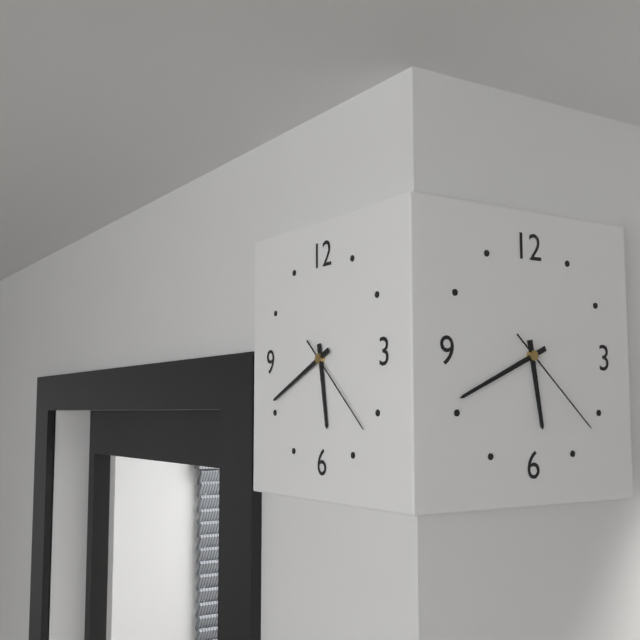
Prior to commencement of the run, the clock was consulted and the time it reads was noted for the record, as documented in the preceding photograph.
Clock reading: 5:41:22
